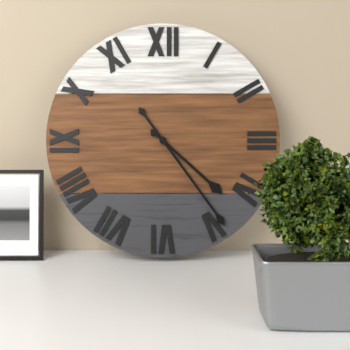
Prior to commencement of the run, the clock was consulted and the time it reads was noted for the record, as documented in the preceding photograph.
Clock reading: 4:24
